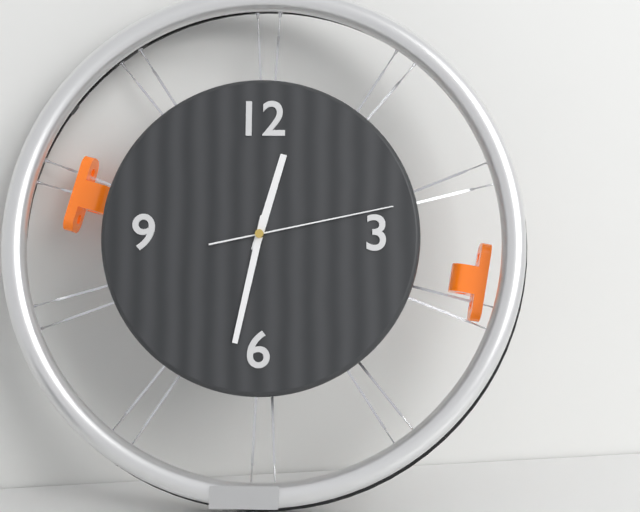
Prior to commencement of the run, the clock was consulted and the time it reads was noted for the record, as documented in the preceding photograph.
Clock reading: 12:32:13
